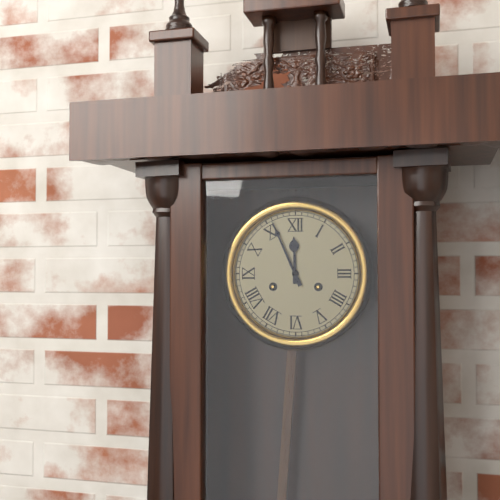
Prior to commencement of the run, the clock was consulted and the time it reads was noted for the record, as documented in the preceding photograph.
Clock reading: 11:56
